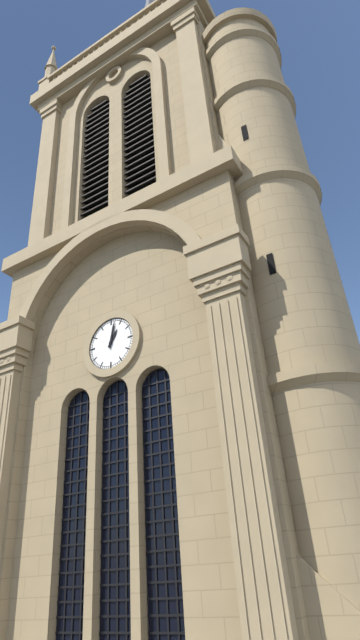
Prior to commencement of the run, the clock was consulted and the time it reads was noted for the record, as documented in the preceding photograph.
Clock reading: 1:02
